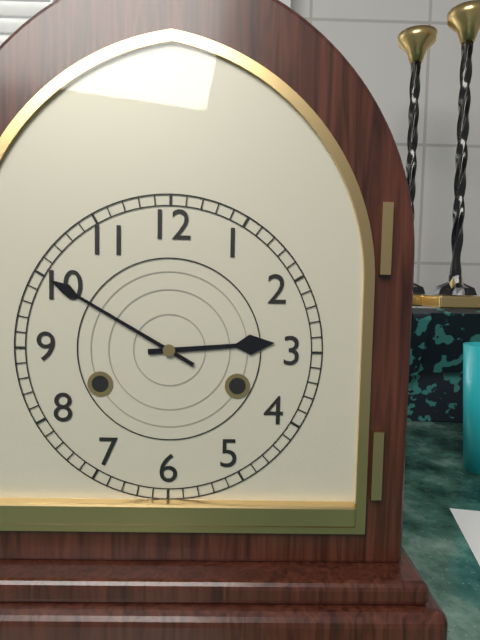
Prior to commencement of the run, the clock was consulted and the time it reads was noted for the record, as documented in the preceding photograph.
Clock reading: 2:50
